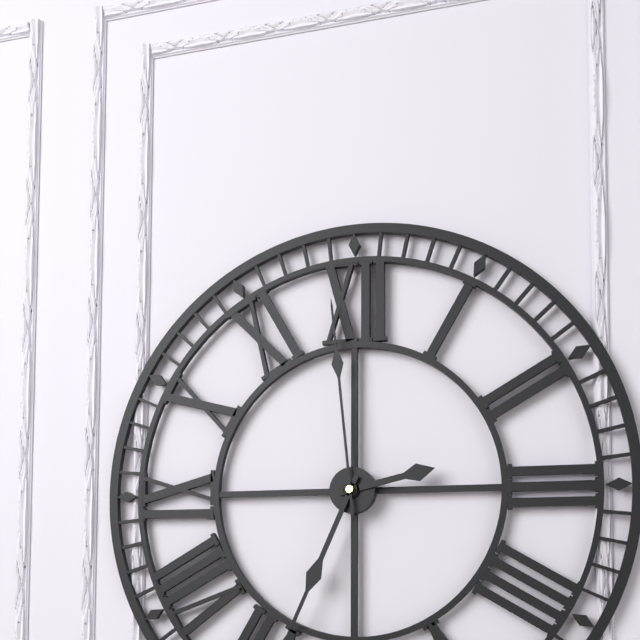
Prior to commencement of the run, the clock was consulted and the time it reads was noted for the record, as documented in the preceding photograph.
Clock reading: 2:34:59
